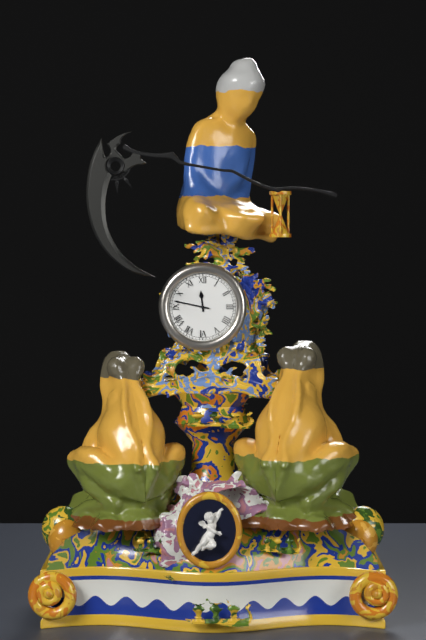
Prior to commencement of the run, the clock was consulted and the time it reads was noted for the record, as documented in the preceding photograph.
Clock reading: 11:47
